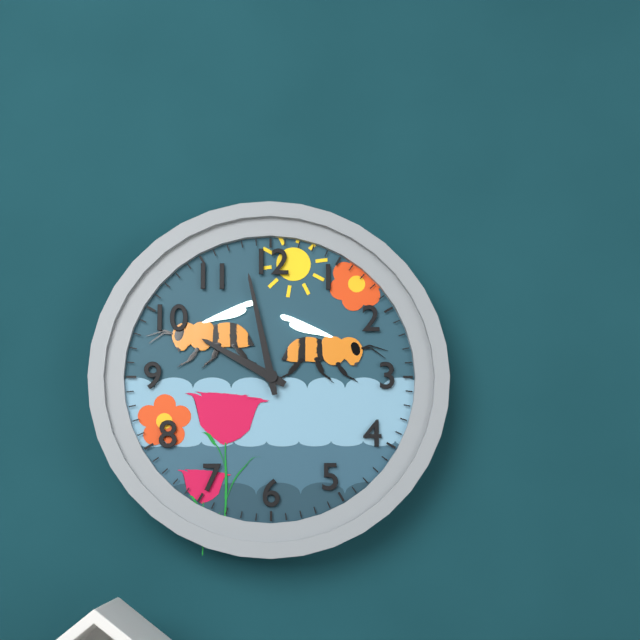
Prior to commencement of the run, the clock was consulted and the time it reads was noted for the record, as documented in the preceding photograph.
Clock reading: 9:58
